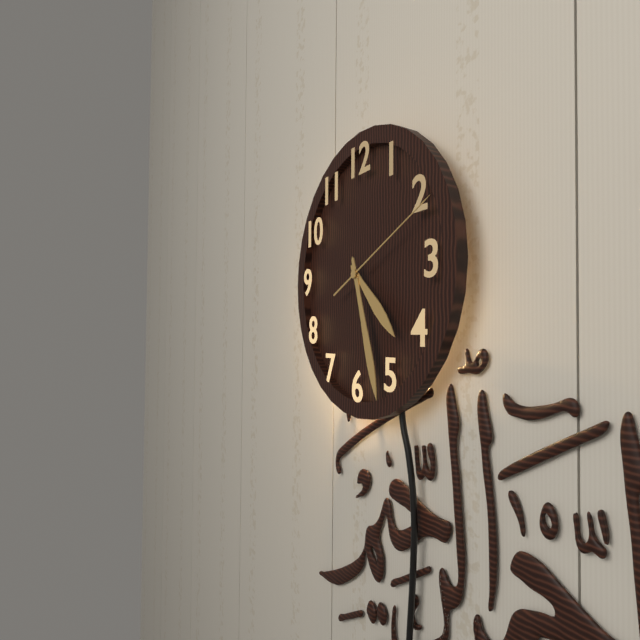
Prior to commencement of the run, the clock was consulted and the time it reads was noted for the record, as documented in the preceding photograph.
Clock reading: 4:27:11
